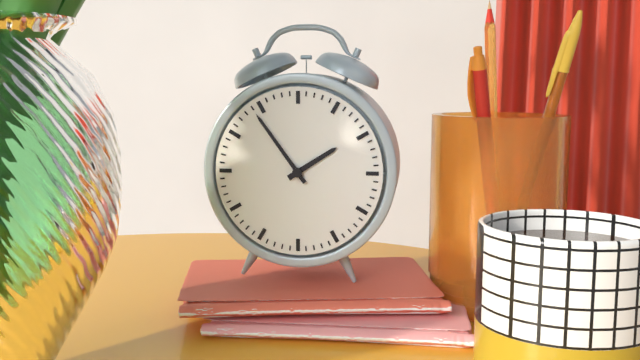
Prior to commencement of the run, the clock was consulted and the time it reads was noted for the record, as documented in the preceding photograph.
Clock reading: 1:54
